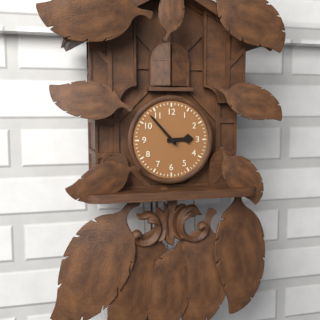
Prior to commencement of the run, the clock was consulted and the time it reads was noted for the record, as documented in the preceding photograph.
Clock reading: 2:53
